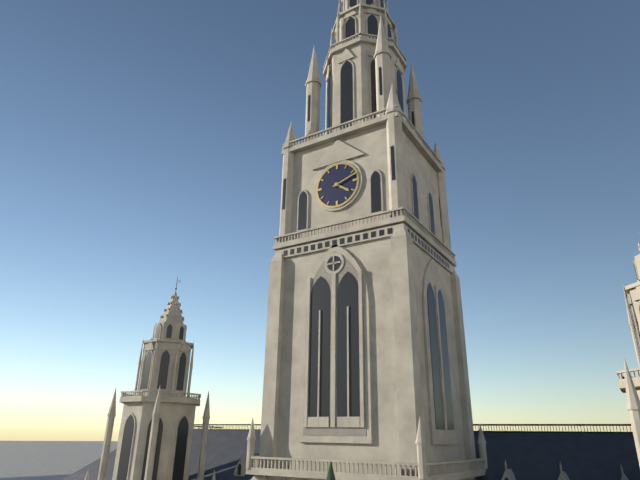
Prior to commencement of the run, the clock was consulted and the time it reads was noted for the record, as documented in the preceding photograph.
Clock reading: 4:12
